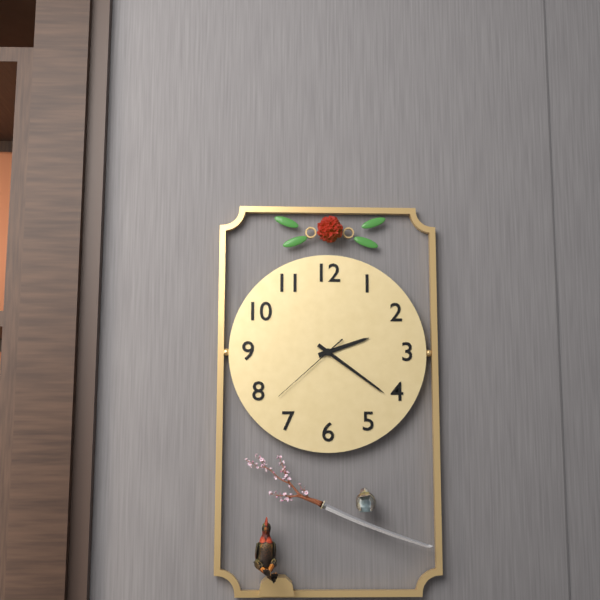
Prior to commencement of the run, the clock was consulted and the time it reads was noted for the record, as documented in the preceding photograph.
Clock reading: 2:21:38
